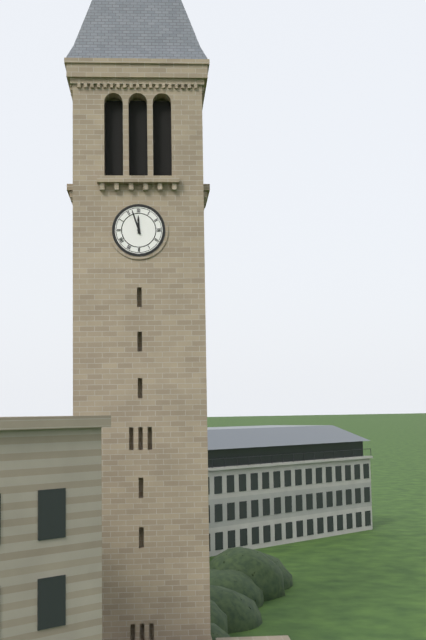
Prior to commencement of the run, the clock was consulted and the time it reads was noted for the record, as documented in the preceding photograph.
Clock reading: 11:57
